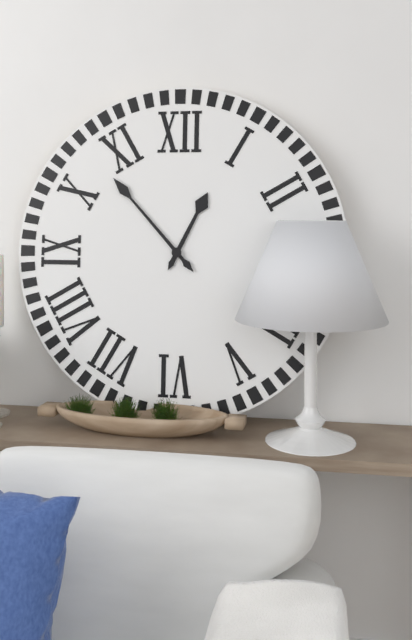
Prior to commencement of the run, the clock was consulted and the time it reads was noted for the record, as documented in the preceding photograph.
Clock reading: 12:53
